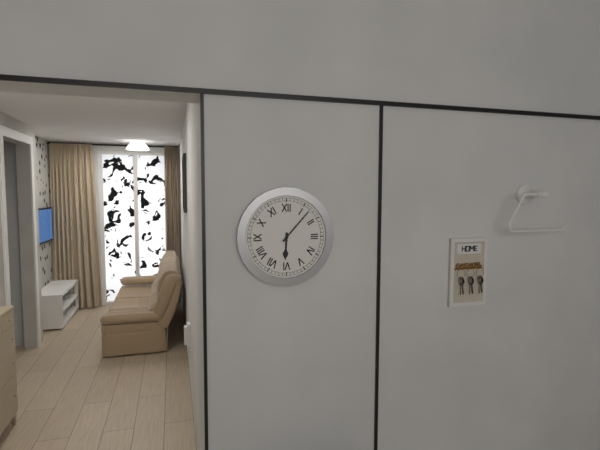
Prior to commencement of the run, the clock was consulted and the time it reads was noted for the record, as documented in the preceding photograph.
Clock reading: 6:07
